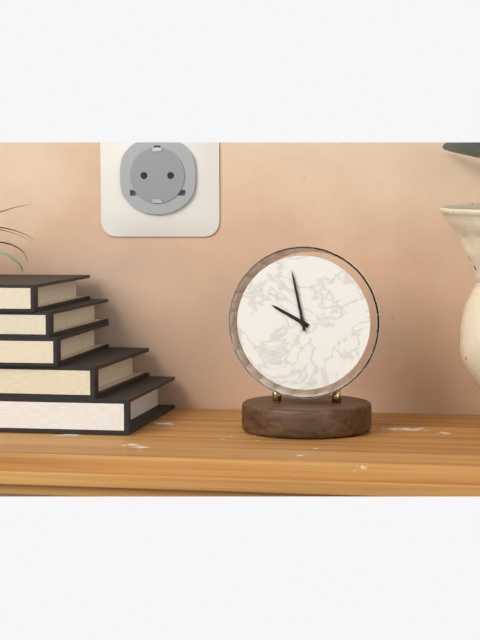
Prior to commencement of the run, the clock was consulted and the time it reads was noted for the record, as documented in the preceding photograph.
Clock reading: 9:58
